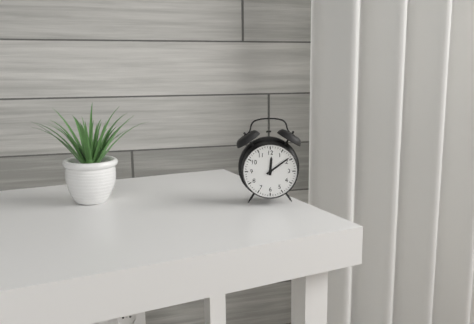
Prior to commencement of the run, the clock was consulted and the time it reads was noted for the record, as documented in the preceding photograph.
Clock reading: 12:09
